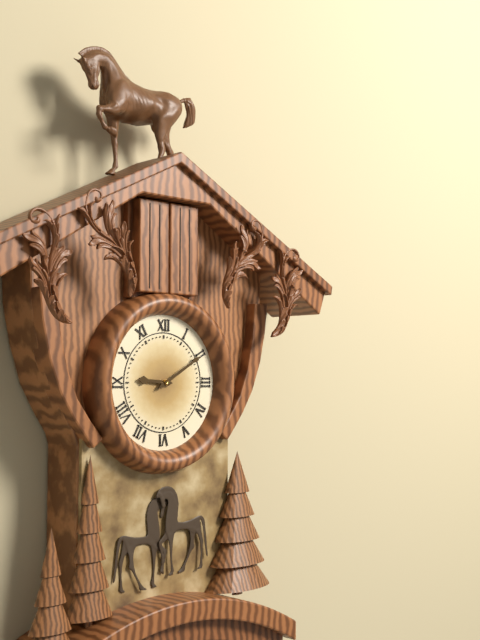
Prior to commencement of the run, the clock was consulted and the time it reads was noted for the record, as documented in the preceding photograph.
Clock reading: 9:10
